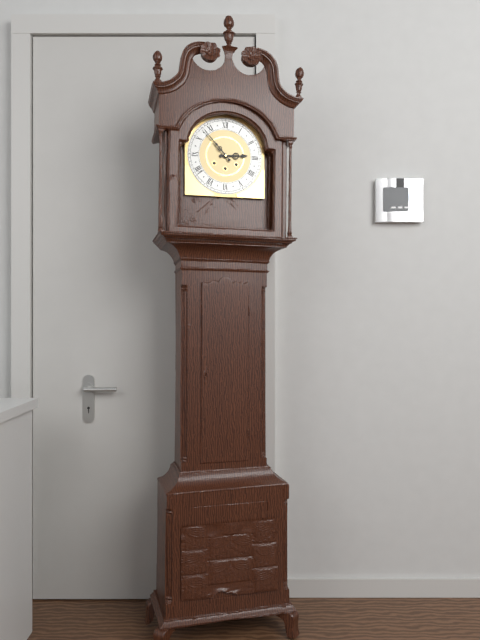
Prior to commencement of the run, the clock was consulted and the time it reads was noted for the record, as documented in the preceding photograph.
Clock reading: 2:53
